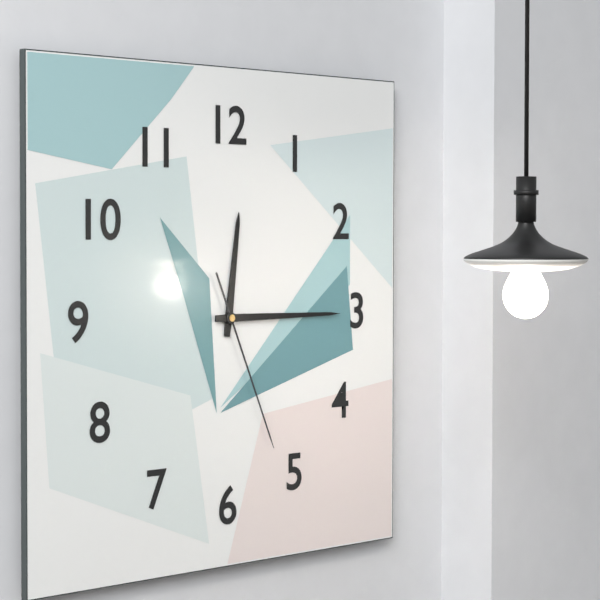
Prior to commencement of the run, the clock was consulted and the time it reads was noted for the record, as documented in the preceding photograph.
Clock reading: 12:15:26
